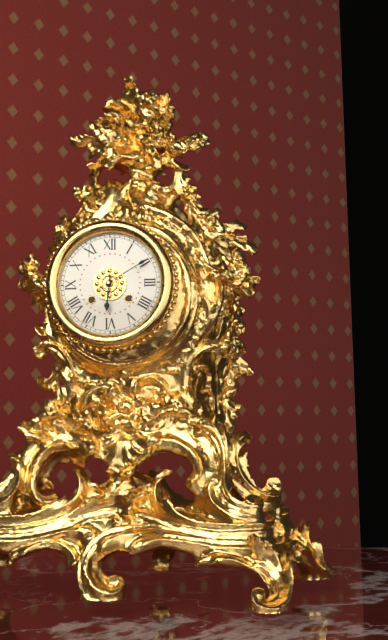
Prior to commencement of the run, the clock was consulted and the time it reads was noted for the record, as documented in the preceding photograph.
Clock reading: 6:10
